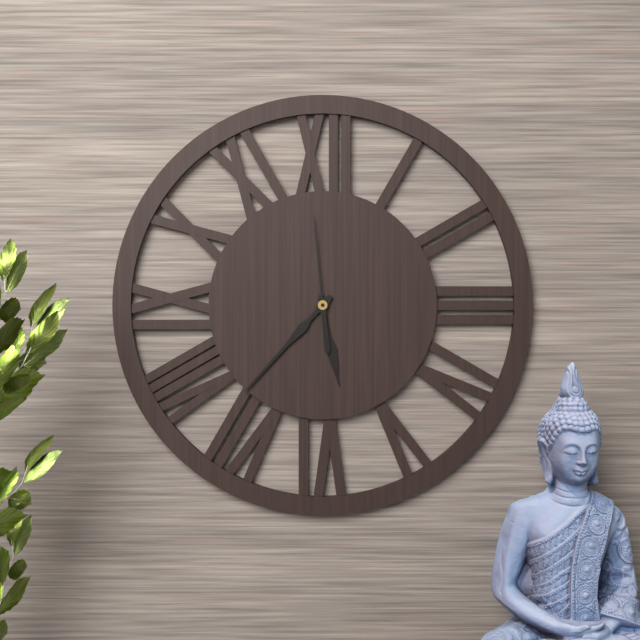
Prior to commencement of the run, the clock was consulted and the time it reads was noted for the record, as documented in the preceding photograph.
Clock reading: 5:37:59
